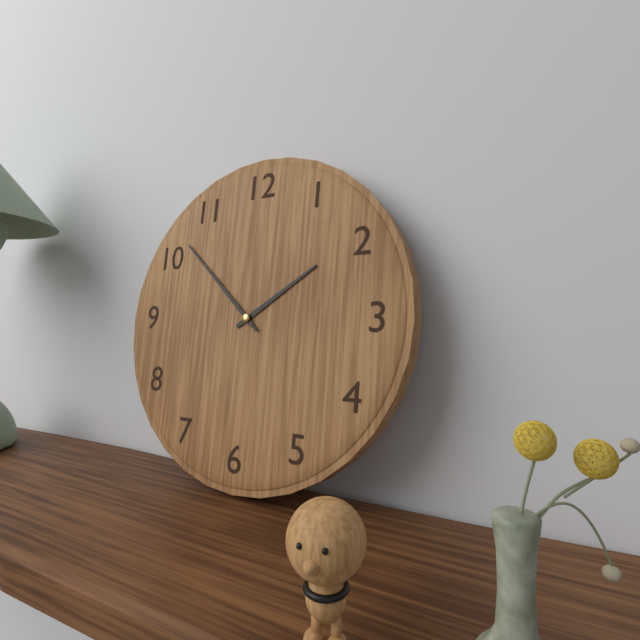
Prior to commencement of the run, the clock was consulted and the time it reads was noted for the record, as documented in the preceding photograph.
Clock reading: 1:52
